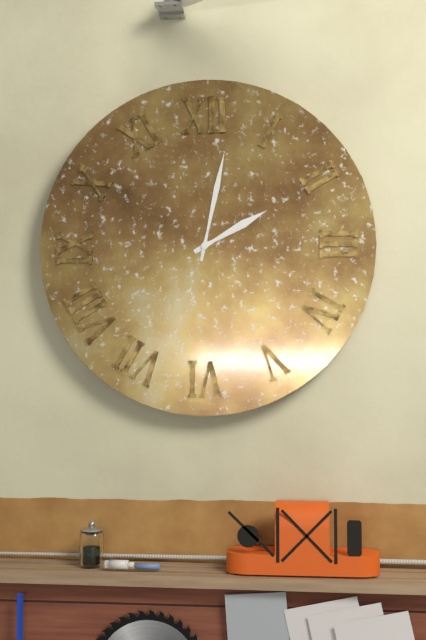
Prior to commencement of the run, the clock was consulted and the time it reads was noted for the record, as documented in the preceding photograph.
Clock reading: 2:02
